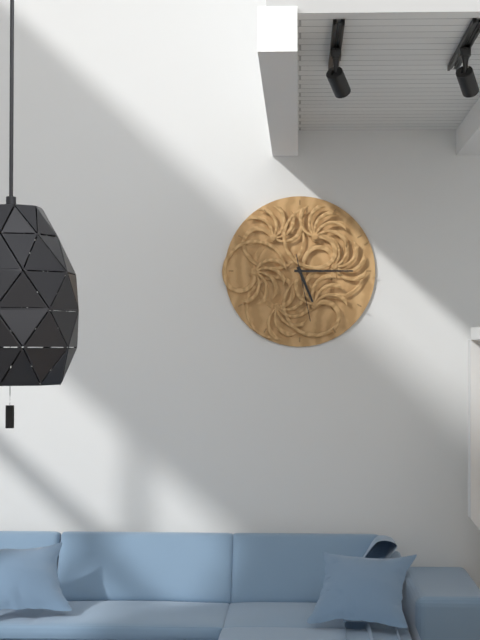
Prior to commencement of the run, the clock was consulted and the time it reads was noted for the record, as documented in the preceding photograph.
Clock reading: 5:15:28
